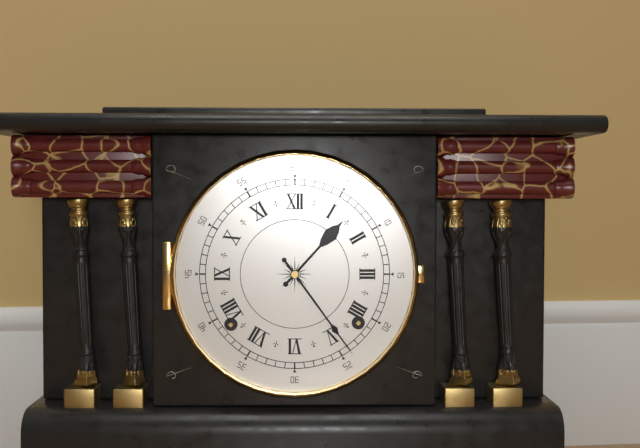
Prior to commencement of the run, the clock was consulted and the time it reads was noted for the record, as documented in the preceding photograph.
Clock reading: 1:24
